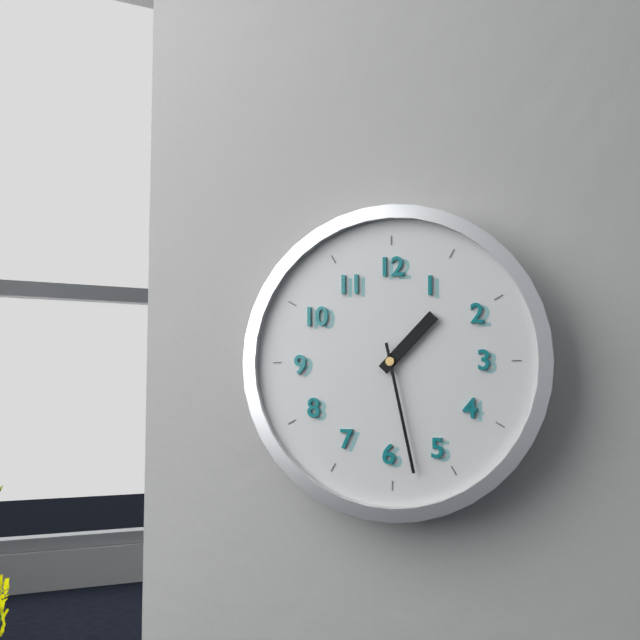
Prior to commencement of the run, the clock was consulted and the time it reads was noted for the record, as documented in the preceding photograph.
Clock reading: 1:28
